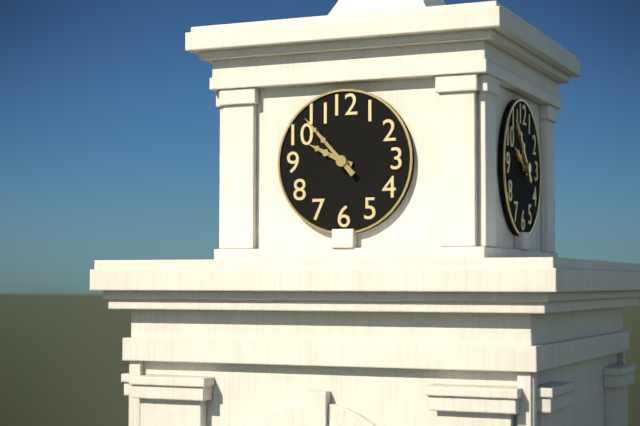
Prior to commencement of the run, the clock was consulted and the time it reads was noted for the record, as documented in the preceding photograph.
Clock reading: 9:53
